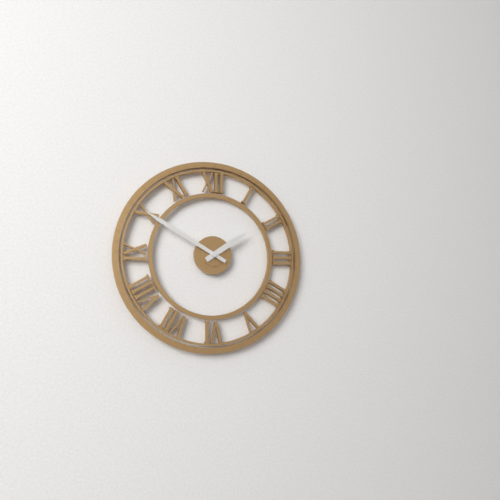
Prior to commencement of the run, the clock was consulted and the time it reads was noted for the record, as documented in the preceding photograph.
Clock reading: 1:50
